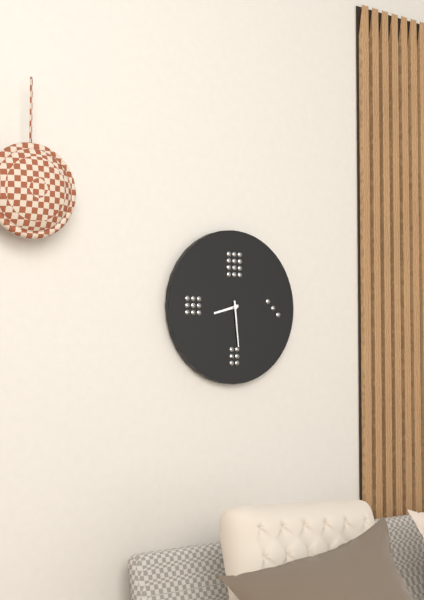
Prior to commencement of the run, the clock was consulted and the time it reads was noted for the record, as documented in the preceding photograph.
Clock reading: 8:29
